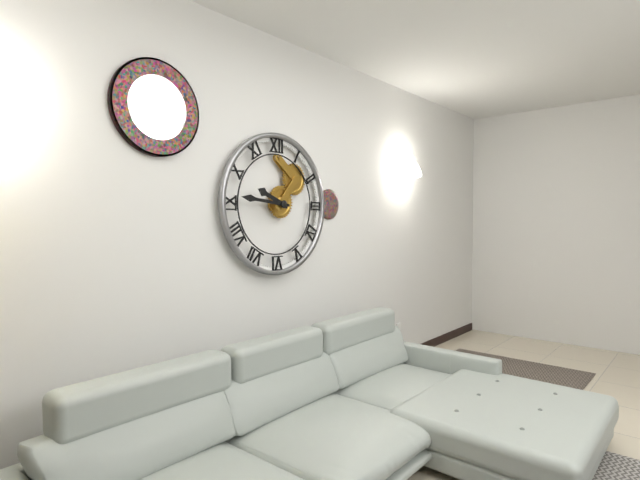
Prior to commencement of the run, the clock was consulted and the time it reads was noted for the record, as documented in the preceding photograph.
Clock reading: 9:46
